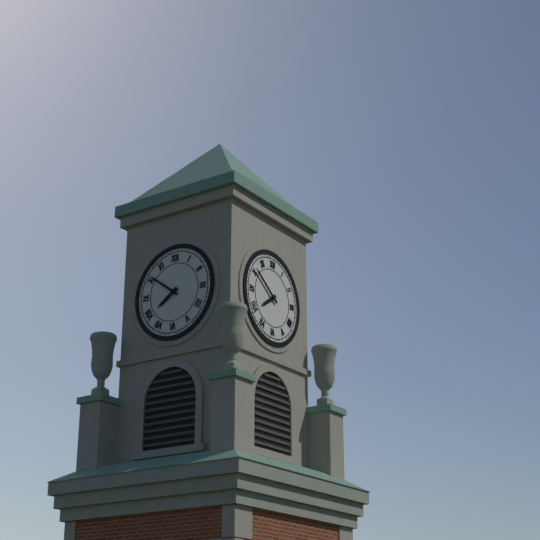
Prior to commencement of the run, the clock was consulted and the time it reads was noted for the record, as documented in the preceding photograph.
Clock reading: 7:51
